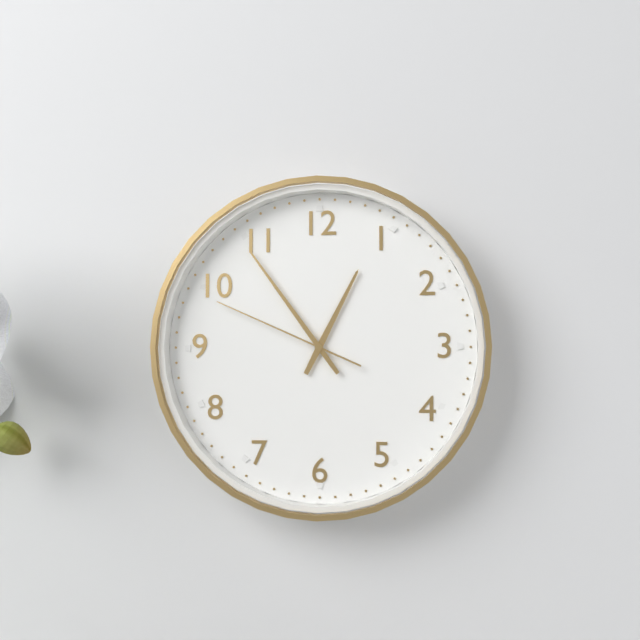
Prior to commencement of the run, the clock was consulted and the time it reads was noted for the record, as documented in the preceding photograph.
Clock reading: 12:54:49
